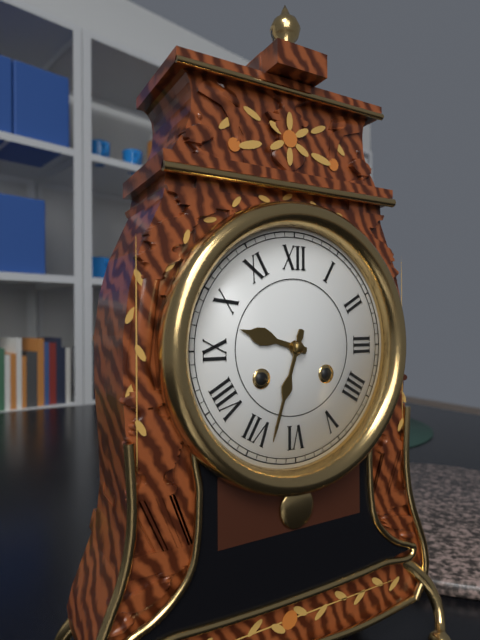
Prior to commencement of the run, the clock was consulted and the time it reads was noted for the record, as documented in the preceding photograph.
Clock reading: 9:33
